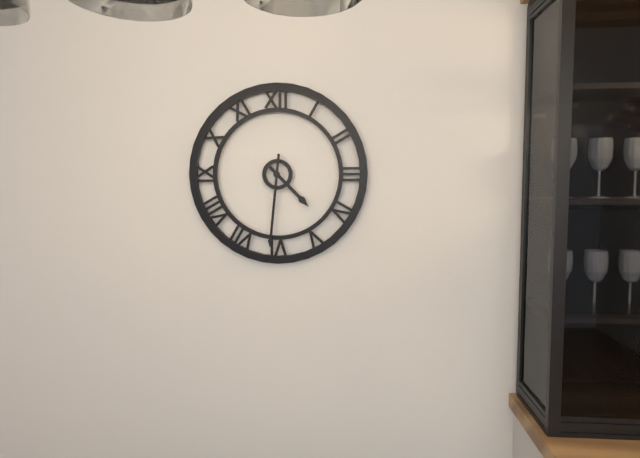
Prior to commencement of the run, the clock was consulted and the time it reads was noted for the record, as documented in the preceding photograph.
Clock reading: 4:31
